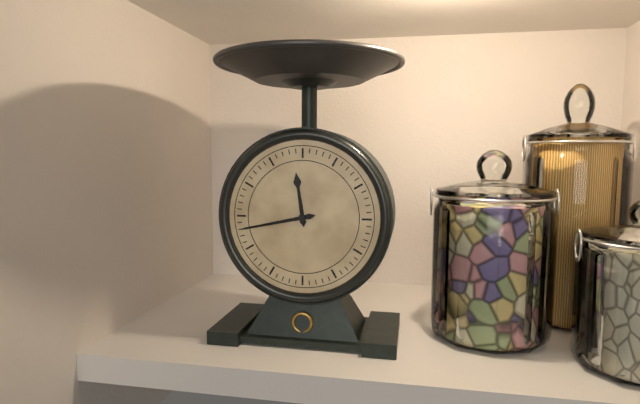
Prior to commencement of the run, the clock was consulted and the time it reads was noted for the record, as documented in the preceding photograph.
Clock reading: 11:43
